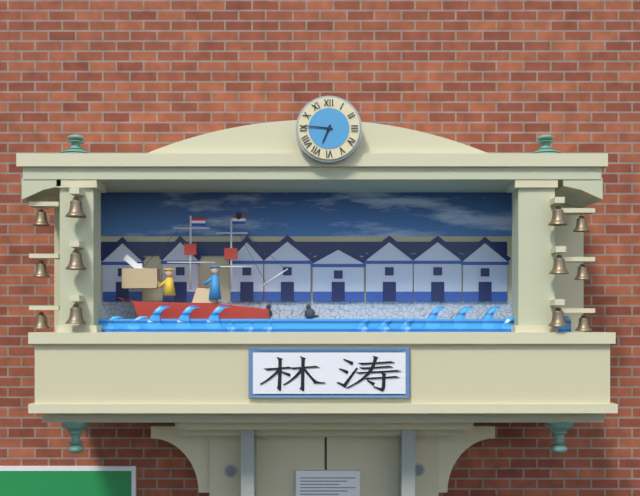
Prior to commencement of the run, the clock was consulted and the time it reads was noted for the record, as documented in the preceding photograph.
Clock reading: 6:46
